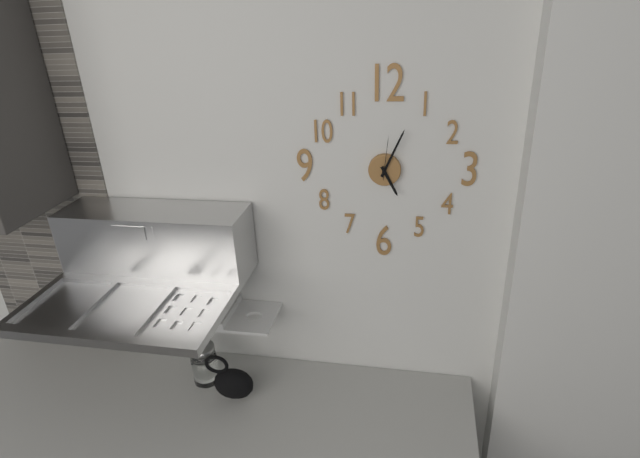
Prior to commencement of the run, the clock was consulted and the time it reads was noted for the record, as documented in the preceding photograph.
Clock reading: 5:04
